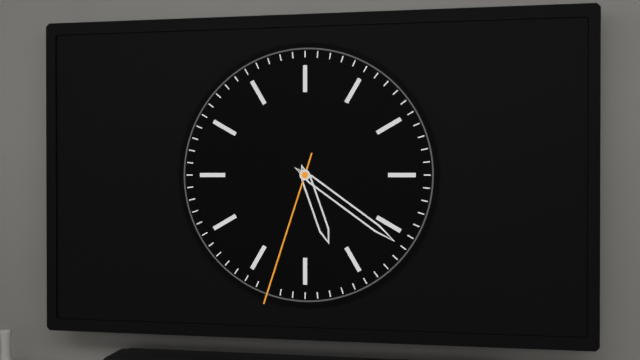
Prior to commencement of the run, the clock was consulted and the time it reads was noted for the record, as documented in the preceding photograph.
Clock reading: 5:21:33
